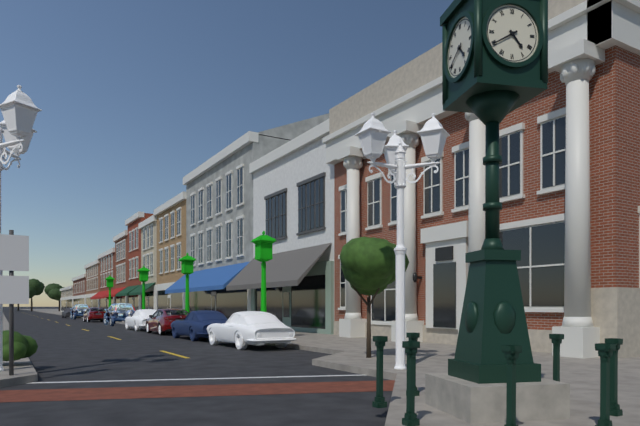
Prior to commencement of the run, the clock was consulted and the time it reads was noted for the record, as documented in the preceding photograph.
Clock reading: 4:40
